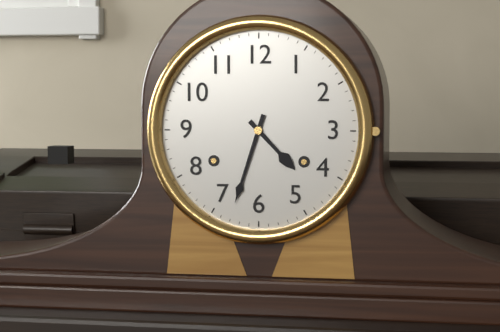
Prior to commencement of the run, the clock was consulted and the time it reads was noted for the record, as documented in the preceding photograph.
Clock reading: 4:33
